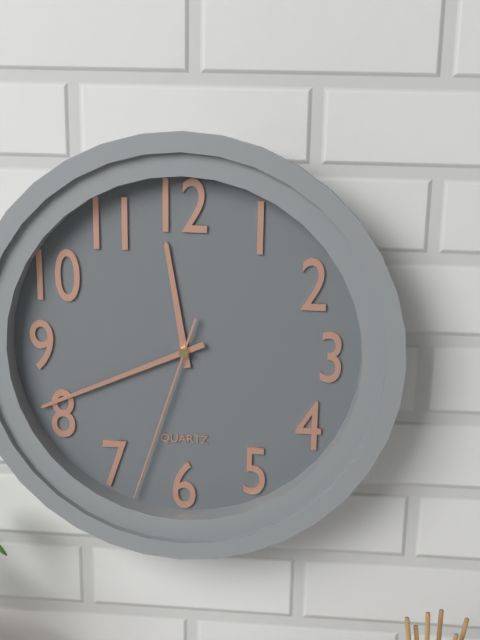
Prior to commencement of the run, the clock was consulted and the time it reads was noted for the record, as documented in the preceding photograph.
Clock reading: 11:41:33
